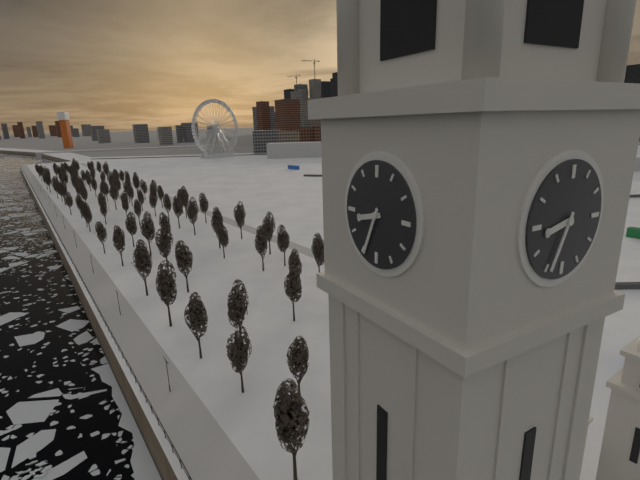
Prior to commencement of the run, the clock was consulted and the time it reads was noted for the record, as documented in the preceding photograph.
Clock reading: 8:34
